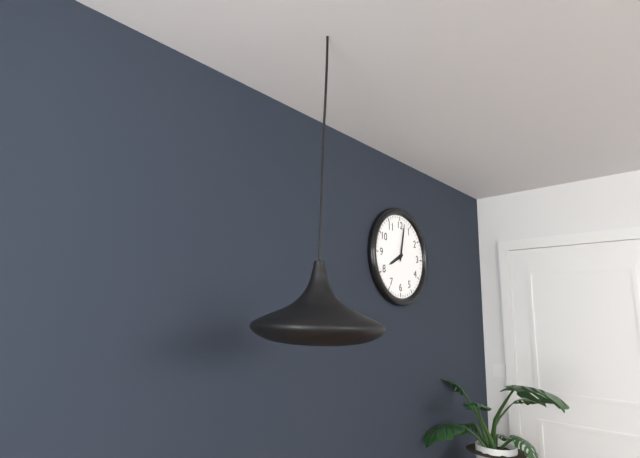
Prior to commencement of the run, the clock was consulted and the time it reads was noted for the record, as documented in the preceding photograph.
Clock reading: 8:02
